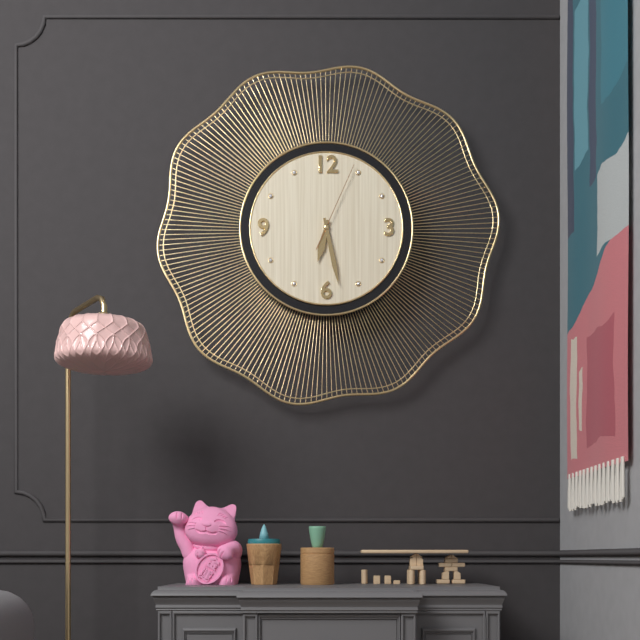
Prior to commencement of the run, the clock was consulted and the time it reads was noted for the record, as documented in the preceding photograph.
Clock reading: 6:28:04
